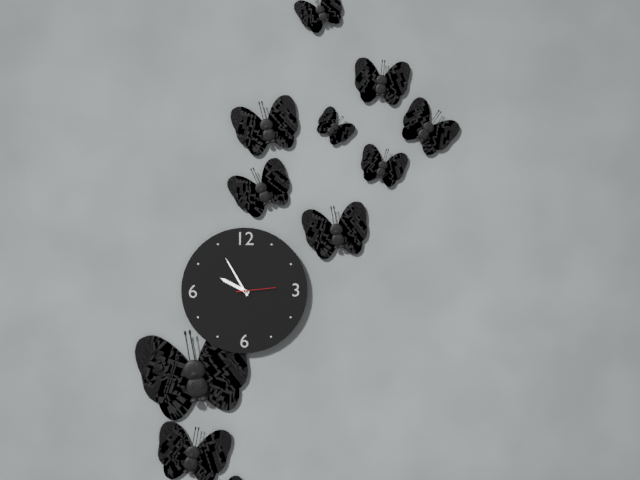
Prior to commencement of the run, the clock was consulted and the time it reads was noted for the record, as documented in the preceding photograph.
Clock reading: 9:55
